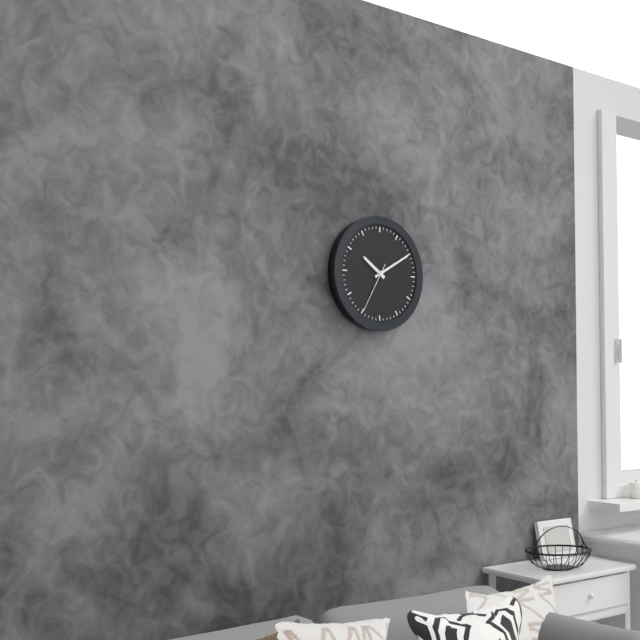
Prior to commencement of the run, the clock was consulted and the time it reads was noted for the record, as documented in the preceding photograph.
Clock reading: 10:10
